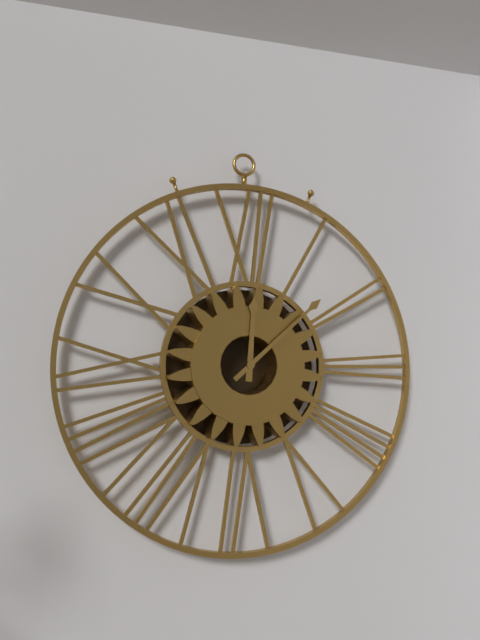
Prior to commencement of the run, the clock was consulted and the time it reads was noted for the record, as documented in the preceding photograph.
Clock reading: 12:08
